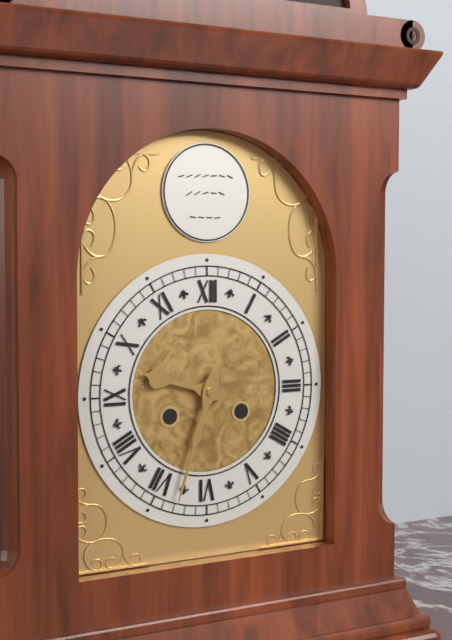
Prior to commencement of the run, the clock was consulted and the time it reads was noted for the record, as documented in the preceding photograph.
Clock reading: 9:33
